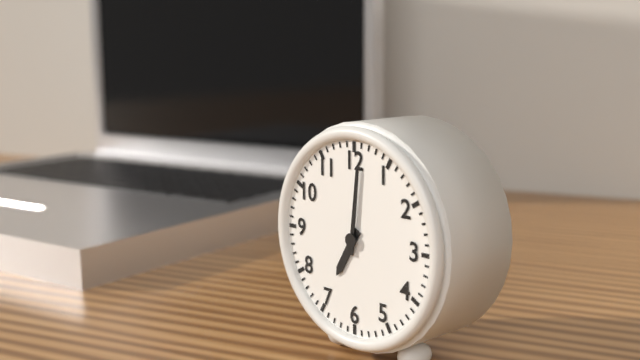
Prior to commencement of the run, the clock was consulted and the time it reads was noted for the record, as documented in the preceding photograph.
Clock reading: 7:01
